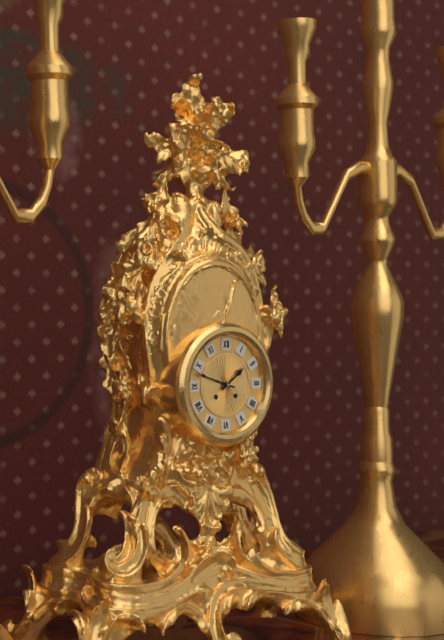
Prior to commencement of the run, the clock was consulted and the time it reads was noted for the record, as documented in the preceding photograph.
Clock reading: 1:48
